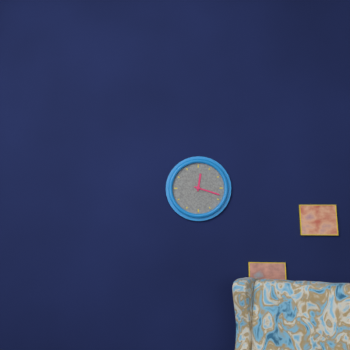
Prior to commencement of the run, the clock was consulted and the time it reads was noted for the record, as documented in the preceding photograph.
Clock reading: 12:18
